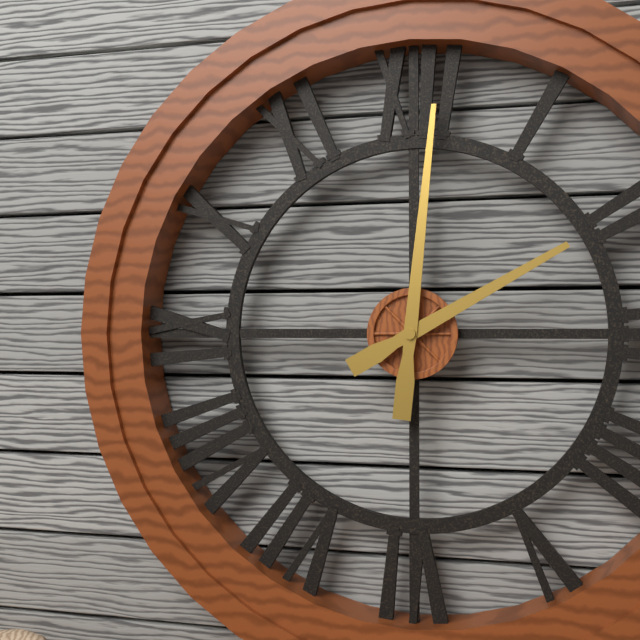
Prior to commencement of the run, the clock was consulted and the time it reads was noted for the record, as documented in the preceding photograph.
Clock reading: 2:01
